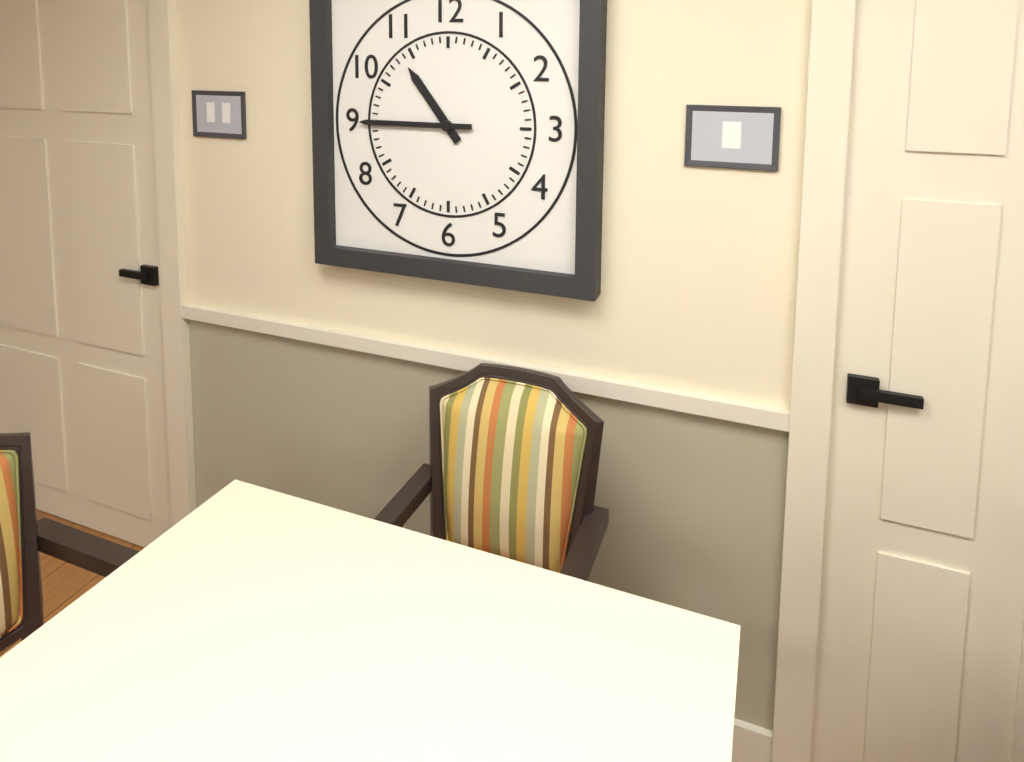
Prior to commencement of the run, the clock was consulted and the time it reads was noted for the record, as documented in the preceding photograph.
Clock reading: 10:45
